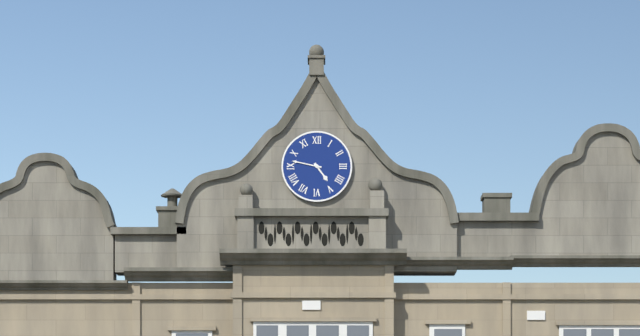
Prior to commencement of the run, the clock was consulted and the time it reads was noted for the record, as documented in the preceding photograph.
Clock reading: 4:47
